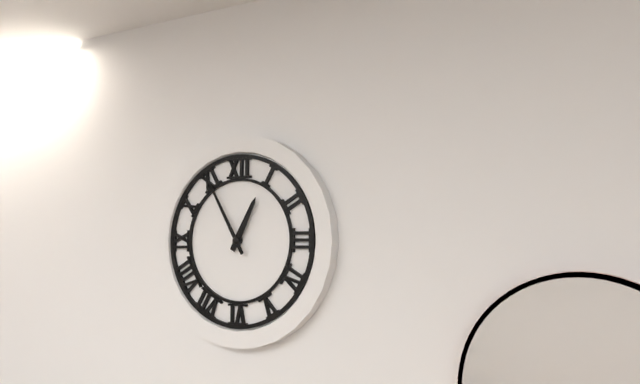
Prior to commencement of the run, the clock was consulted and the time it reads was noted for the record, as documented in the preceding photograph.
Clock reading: 12:55
